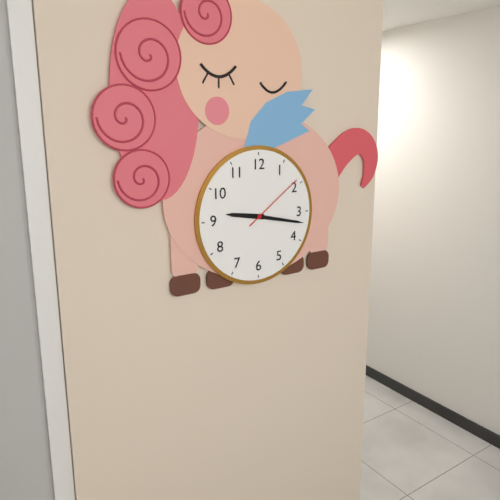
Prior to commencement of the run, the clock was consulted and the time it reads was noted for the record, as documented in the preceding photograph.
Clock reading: 9:17:09
